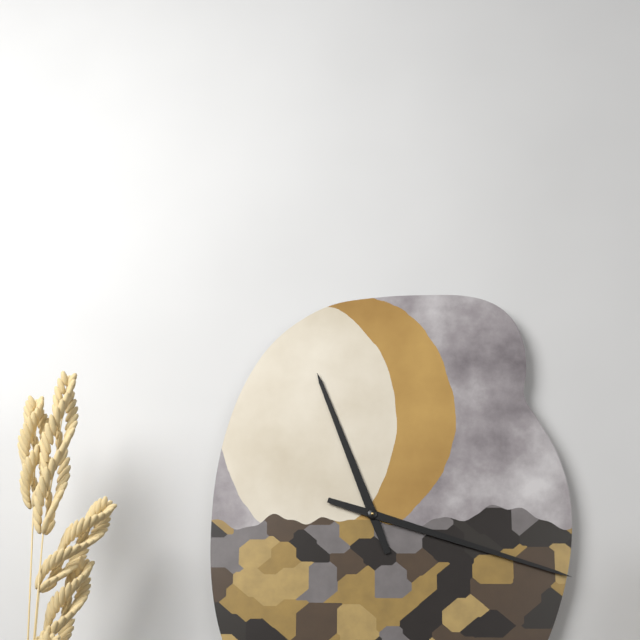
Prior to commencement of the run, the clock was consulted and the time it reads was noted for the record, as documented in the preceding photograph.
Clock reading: 11:18
